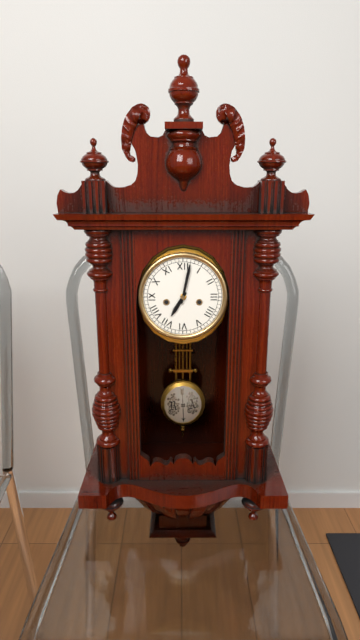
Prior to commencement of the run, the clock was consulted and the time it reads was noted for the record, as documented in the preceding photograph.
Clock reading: 7:02
